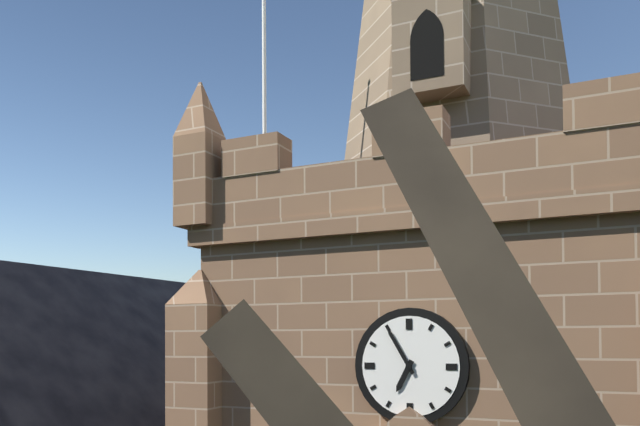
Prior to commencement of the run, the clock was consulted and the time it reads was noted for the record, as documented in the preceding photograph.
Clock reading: 6:55
